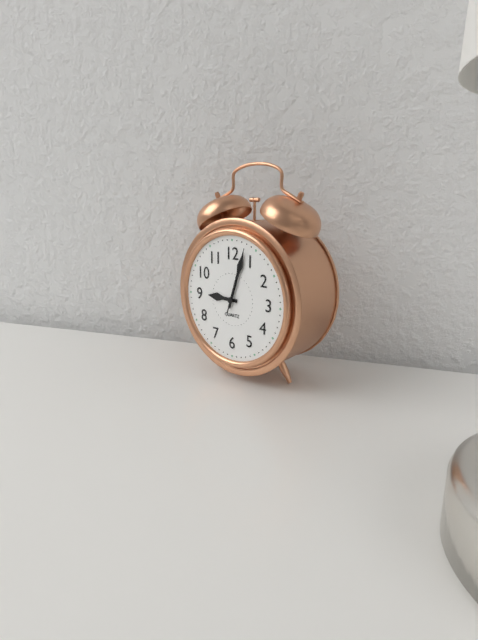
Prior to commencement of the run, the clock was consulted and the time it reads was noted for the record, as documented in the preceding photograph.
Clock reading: 9:03:03
